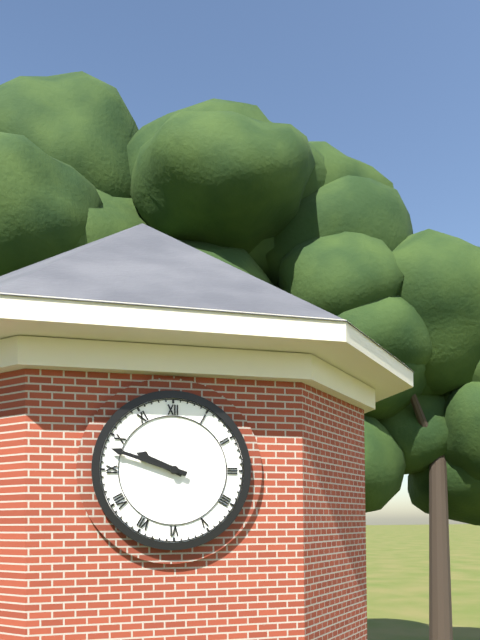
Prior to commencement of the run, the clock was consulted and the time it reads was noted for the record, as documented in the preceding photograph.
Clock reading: 9:48
